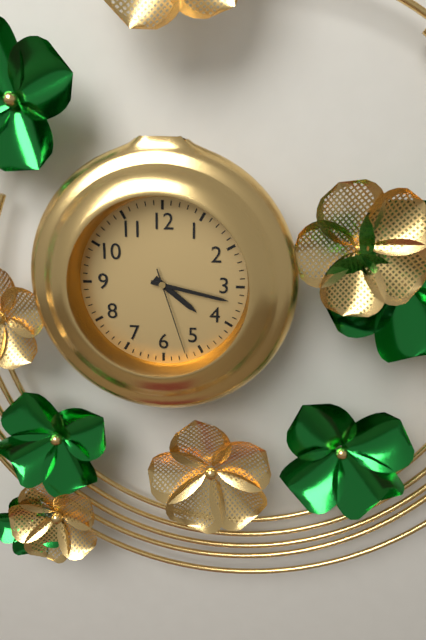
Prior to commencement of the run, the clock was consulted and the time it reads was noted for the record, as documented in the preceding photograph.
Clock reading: 4:17:27
